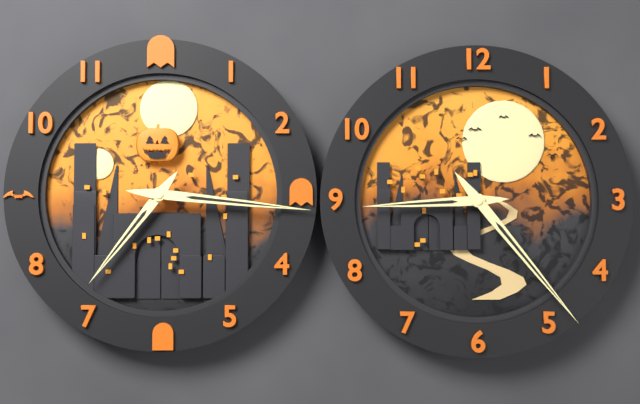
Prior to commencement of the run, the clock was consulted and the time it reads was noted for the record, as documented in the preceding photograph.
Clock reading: 7:16
